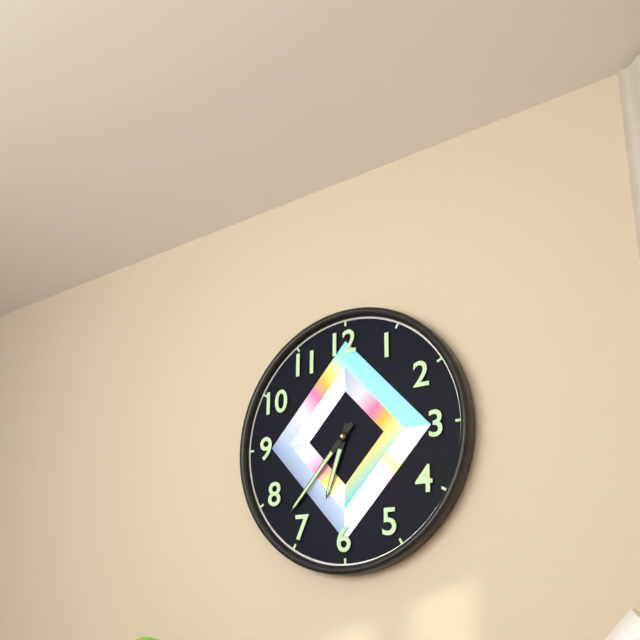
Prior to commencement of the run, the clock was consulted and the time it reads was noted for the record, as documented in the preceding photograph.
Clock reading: 6:37
